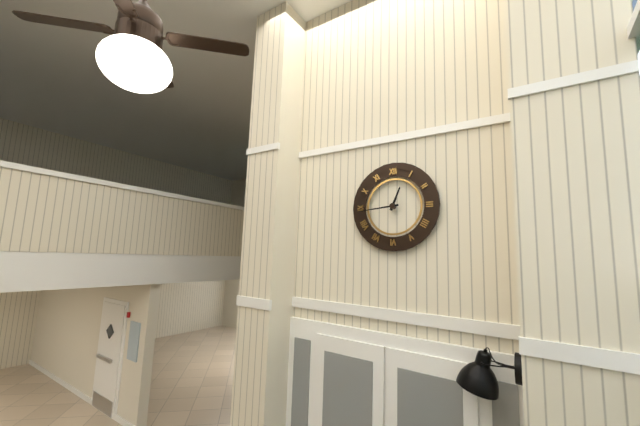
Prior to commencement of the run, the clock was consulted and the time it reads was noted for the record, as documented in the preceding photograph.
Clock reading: 12:44
